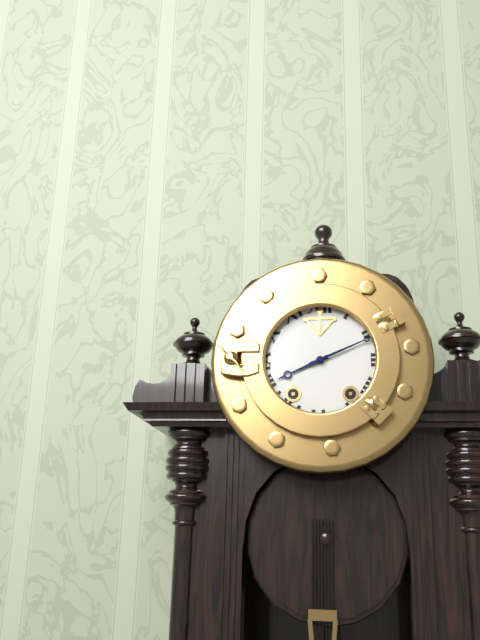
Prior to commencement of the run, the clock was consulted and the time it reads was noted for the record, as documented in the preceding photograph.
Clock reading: 8:11
